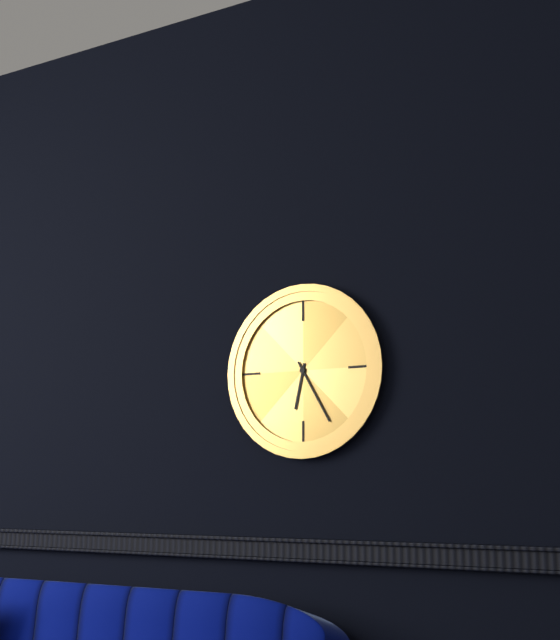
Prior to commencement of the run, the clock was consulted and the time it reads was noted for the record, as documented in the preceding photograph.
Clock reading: 6:25
